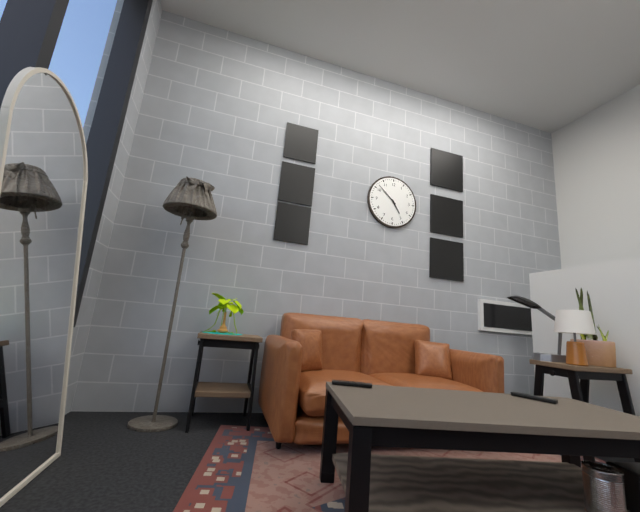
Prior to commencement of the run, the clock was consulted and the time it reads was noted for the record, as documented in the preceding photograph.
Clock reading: 4:52
